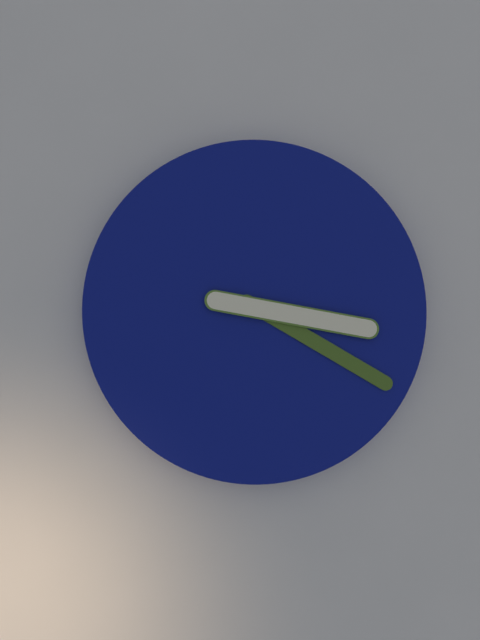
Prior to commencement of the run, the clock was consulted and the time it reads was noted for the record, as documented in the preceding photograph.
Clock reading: 3:20
